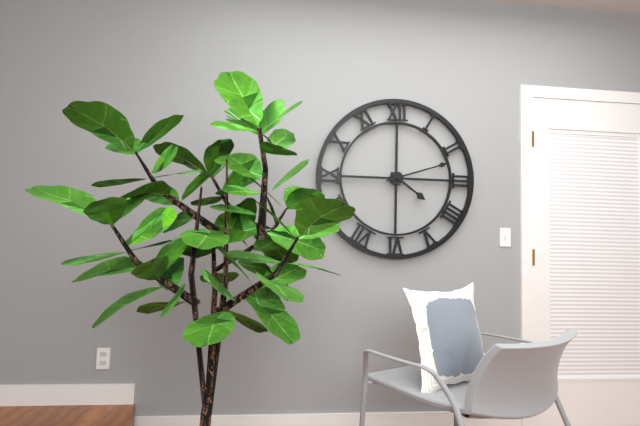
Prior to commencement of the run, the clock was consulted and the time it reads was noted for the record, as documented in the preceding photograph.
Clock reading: 4:12
